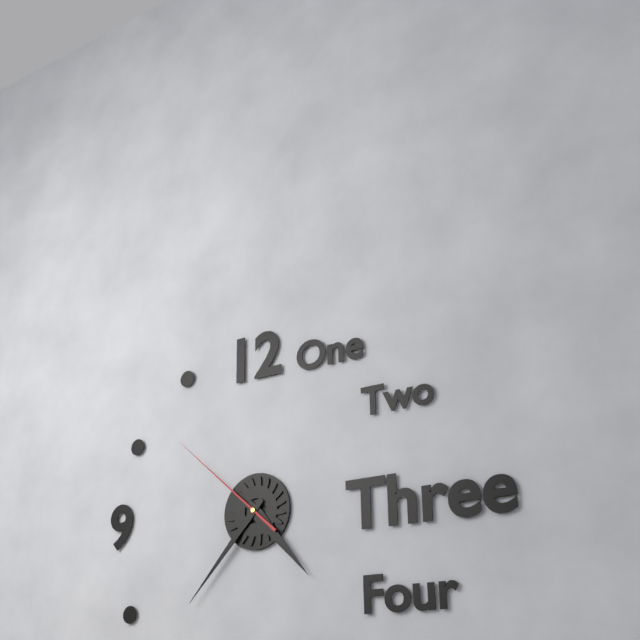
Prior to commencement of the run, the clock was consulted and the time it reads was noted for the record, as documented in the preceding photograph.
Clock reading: 4:37:52
